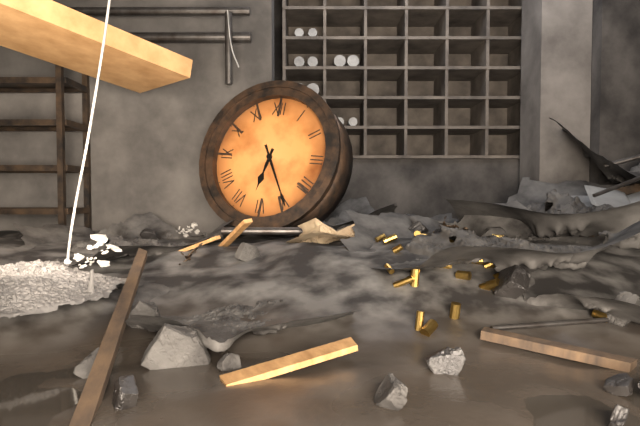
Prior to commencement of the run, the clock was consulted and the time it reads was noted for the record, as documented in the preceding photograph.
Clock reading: 6:25
